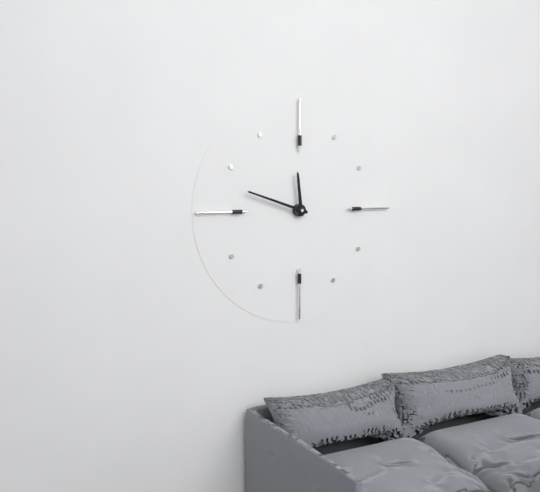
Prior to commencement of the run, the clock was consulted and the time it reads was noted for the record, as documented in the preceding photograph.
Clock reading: 11:48
